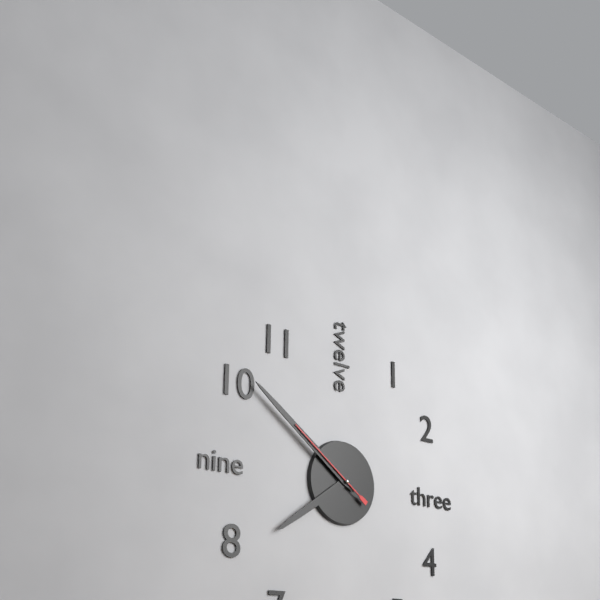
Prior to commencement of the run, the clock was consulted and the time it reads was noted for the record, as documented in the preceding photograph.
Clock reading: 7:51:51
